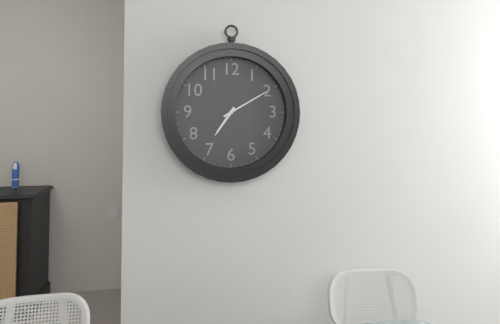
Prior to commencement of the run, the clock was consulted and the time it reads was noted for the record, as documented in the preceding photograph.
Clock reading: 7:10
